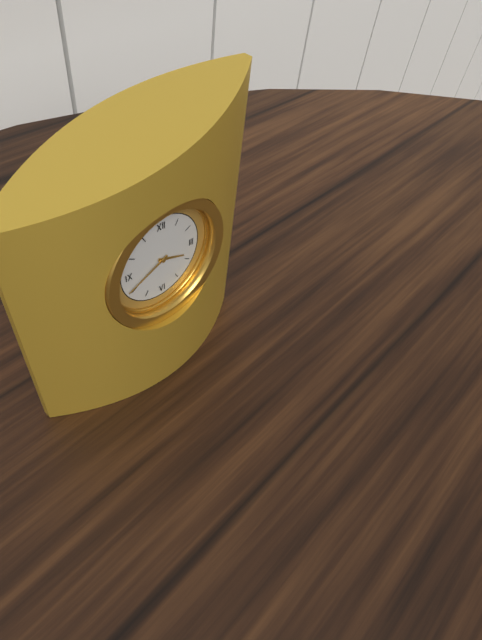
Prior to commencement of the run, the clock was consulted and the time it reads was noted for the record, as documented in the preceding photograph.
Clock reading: 3:41
